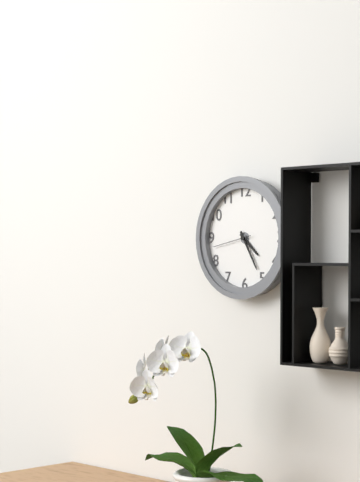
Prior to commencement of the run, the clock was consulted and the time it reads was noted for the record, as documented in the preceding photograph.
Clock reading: 4:25
